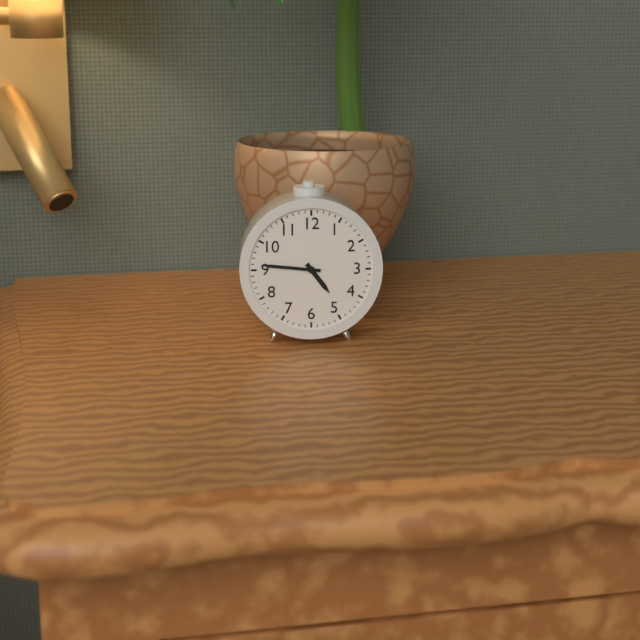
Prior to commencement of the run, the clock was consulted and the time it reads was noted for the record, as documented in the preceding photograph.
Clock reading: 4:46
